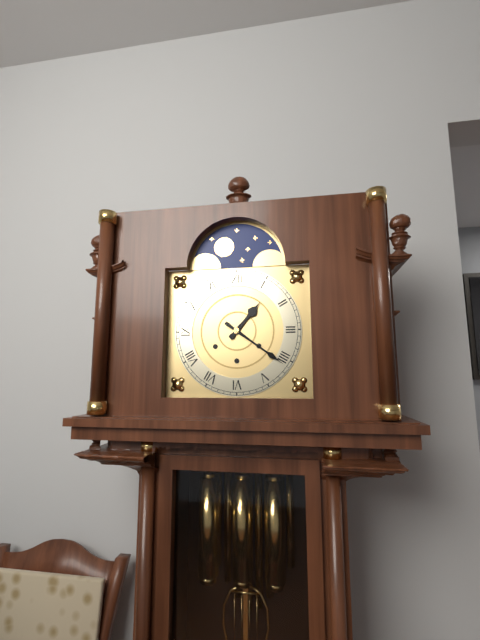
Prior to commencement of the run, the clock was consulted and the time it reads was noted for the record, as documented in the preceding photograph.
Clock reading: 1:21
